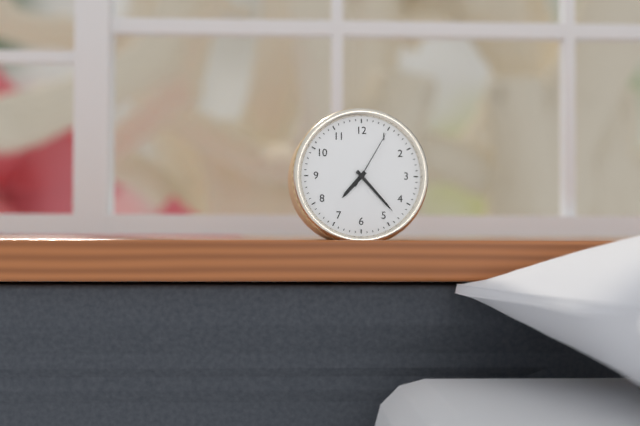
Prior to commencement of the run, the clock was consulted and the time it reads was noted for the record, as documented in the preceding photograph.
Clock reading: 7:23:05
